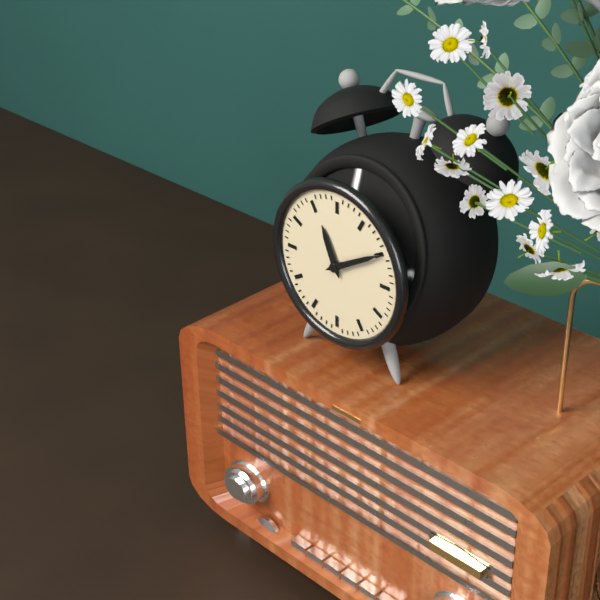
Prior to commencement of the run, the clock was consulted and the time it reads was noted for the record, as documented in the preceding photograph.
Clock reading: 11:10
